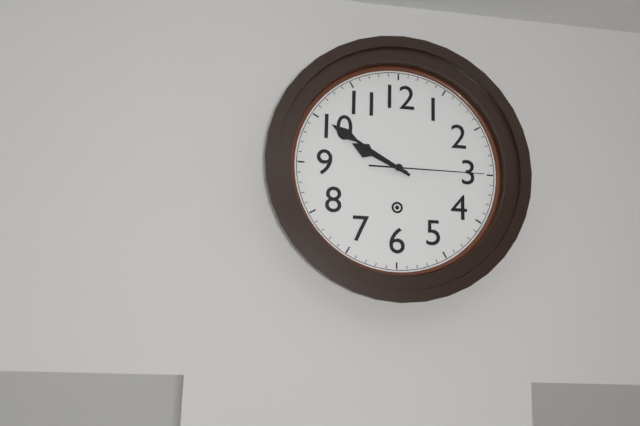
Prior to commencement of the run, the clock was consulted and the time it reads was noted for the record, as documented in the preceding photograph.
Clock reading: 9:50:15
